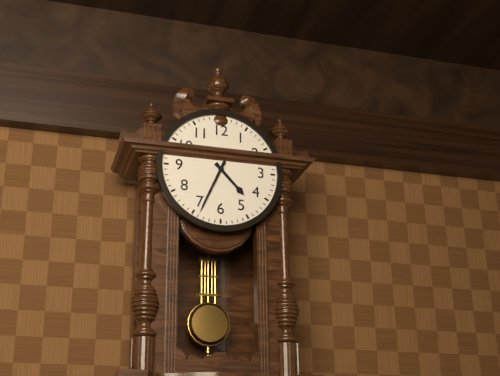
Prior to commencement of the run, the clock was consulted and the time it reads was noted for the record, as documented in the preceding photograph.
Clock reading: 4:34
